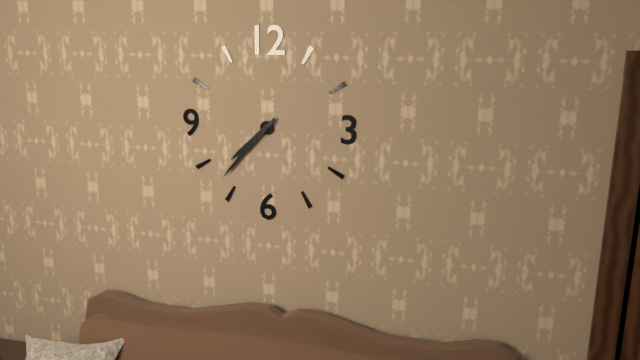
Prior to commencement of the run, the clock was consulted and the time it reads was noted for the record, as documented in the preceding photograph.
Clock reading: 7:37
